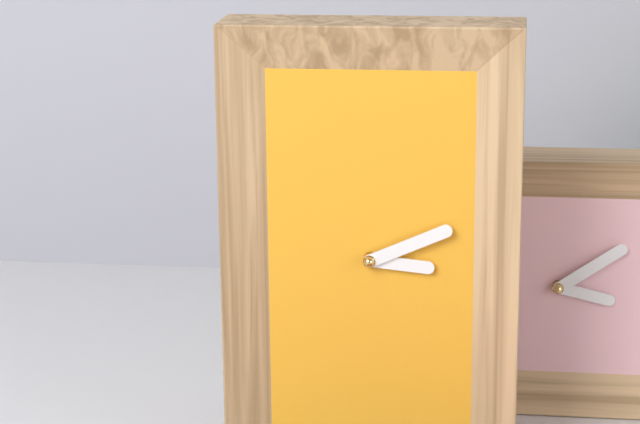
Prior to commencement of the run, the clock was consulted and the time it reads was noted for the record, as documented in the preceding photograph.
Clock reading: 3:11
